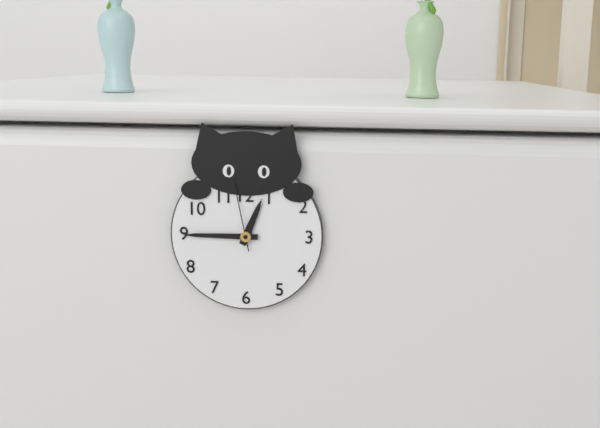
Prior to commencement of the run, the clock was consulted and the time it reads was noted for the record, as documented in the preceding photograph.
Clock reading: 12:45:58
